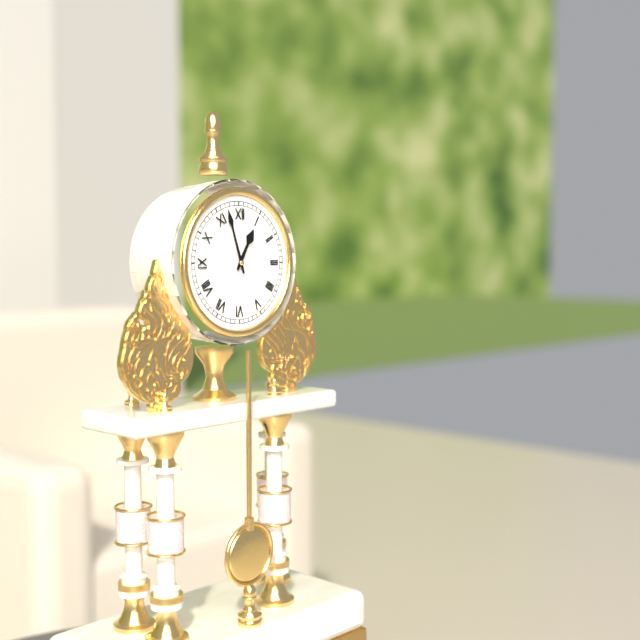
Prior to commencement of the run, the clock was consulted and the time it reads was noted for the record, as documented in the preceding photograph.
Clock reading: 12:57
